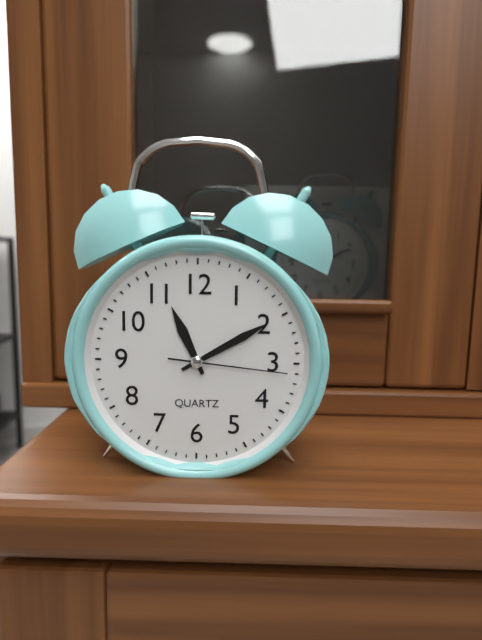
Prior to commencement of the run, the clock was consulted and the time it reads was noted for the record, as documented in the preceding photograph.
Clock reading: 11:10:16
